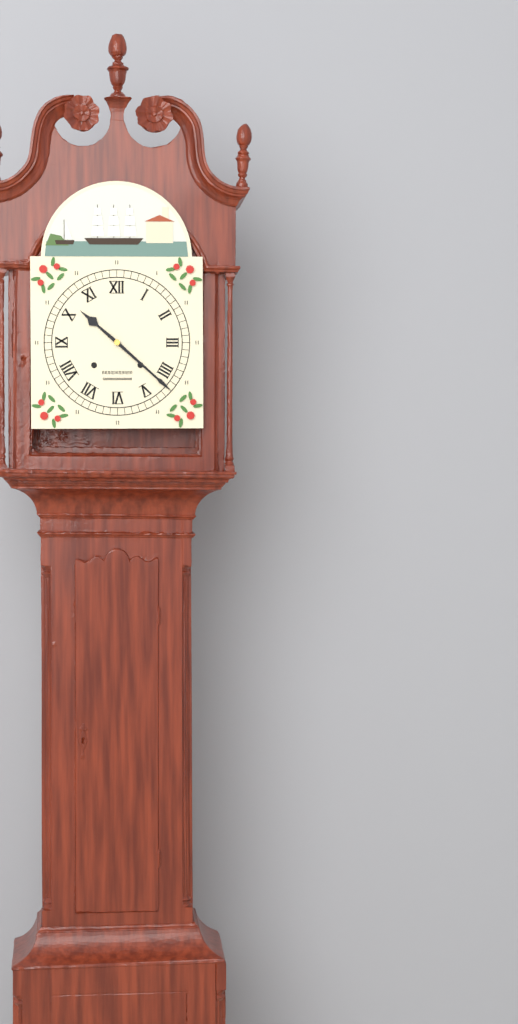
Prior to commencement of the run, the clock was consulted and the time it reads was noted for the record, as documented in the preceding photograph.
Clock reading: 10:22
